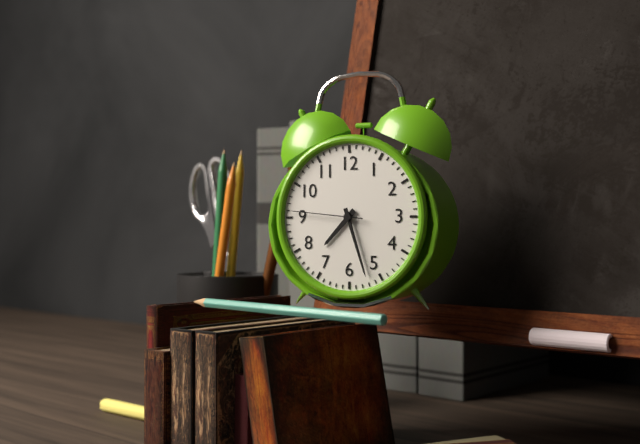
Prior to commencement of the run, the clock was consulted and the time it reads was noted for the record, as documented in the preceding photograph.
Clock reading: 7:27:46
